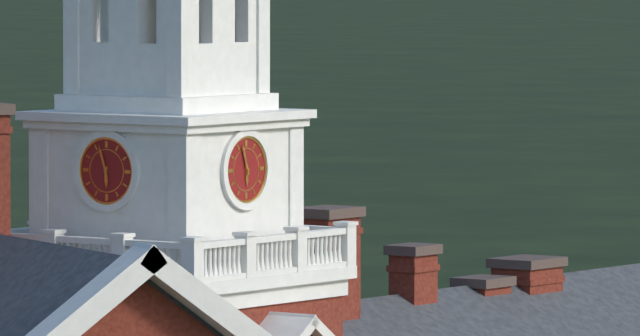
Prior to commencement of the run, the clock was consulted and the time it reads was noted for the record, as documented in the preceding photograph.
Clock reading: 5:57
